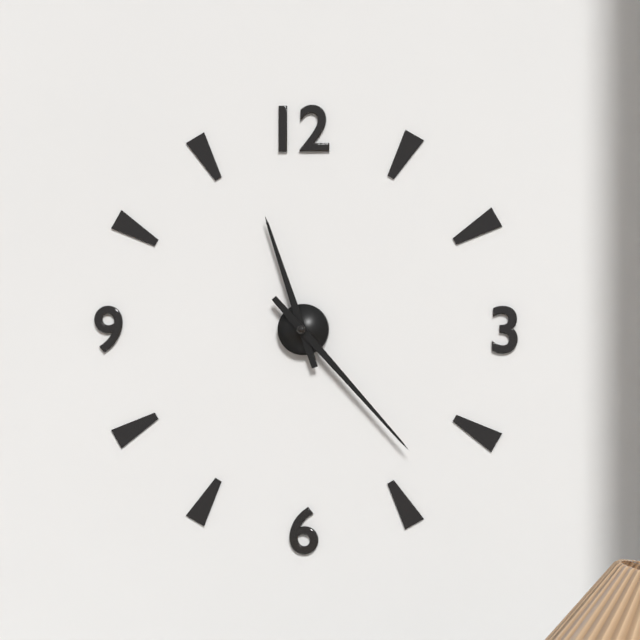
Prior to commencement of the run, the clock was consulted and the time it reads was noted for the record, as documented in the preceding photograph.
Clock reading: 11:23
